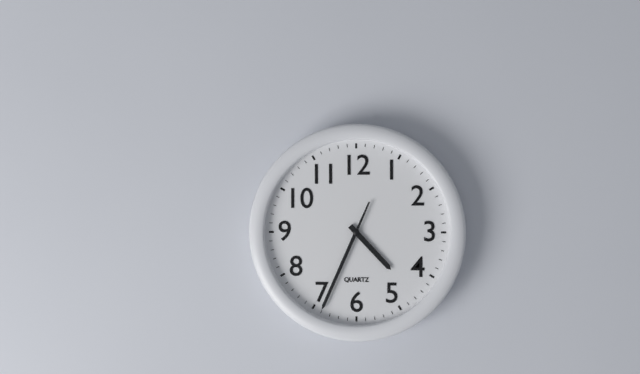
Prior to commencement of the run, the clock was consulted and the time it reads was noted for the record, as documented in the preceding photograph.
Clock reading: 4:34
